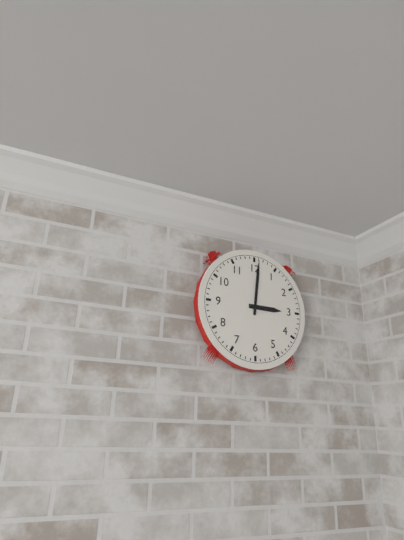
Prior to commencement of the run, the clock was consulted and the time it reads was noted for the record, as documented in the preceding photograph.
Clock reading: 3:01
